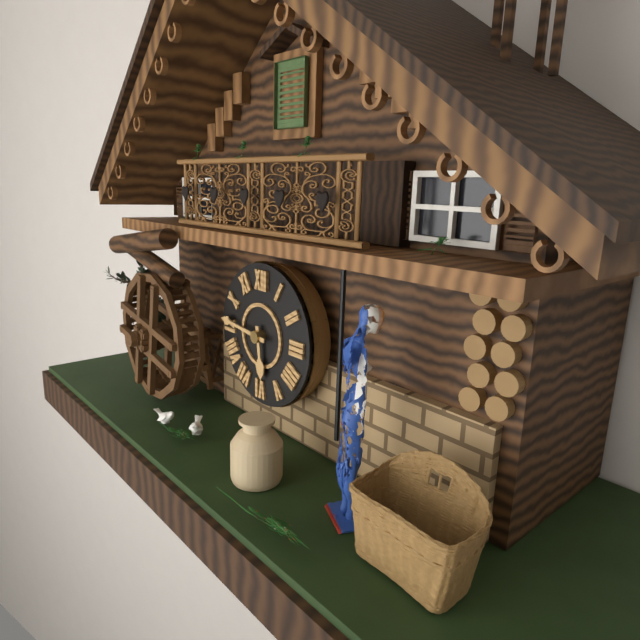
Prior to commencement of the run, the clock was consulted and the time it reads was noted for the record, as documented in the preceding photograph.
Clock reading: 5:46
